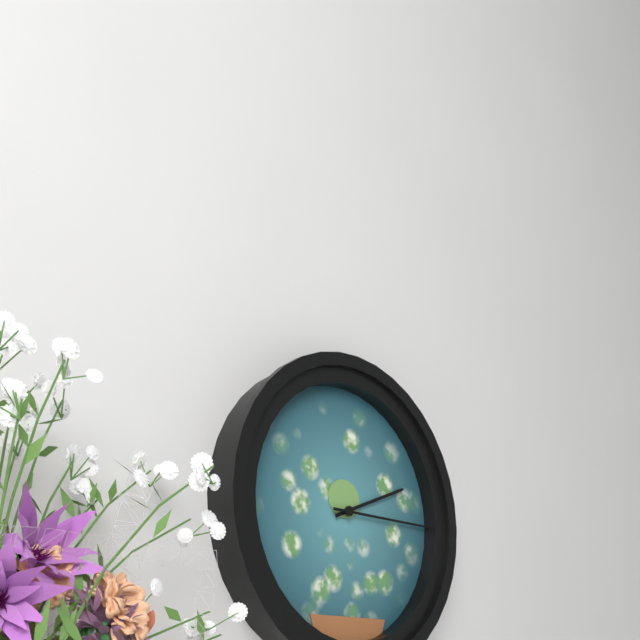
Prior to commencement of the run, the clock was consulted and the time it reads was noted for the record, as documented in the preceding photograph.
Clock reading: 2:15
